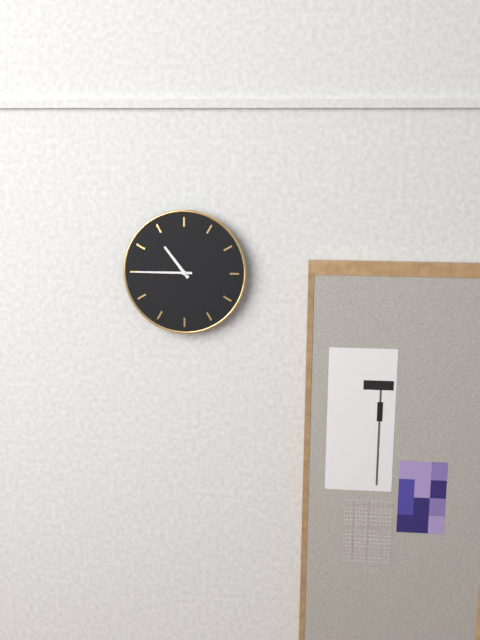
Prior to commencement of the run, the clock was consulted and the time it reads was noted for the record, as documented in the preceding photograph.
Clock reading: 10:45
